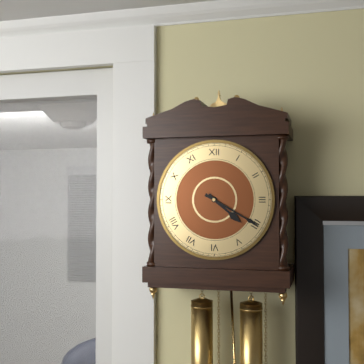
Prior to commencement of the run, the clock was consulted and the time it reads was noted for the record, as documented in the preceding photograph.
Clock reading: 4:20
